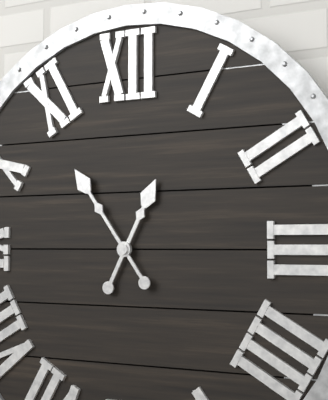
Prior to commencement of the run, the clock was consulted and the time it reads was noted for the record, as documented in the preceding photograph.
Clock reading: 12:54
